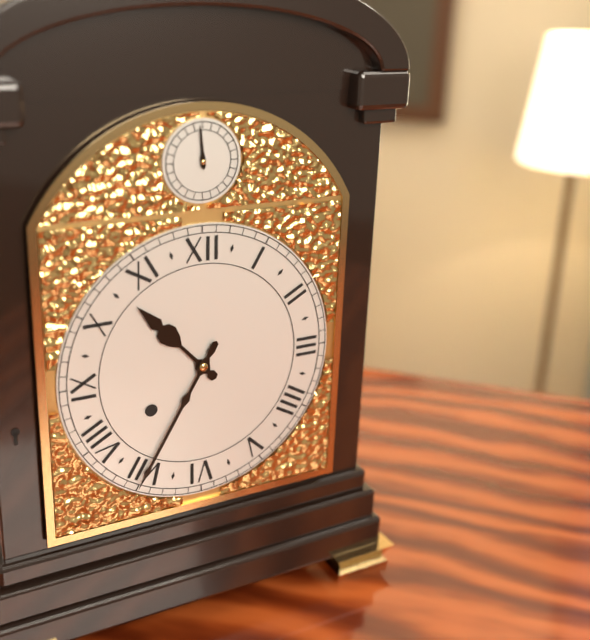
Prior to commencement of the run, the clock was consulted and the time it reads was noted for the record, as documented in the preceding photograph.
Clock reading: 10:35
